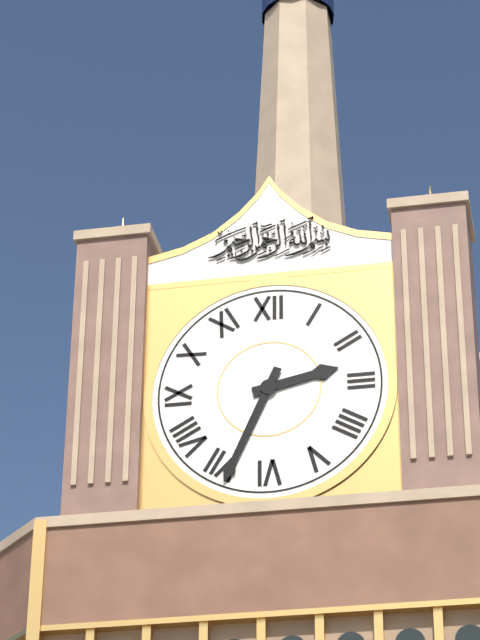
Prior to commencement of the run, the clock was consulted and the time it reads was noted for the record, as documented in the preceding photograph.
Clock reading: 2:34
